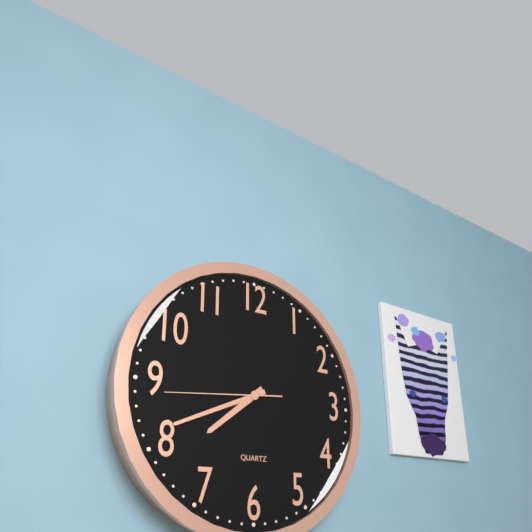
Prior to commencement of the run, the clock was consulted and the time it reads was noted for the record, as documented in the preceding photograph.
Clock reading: 7:41:44
